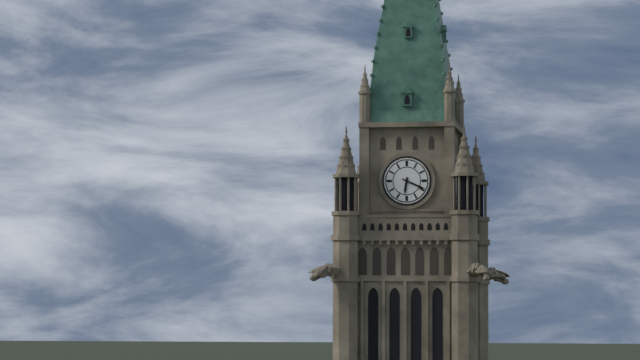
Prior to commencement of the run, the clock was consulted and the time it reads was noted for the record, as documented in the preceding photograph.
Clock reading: 6:19
